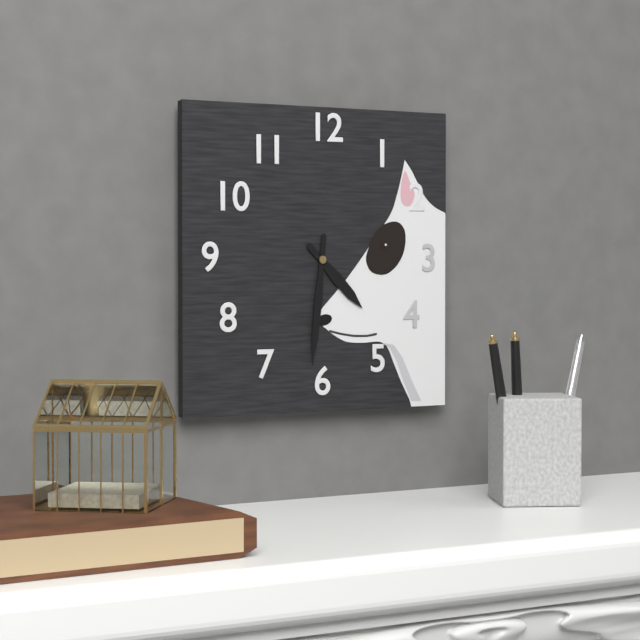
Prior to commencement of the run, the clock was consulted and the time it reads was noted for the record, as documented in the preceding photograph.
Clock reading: 4:31
